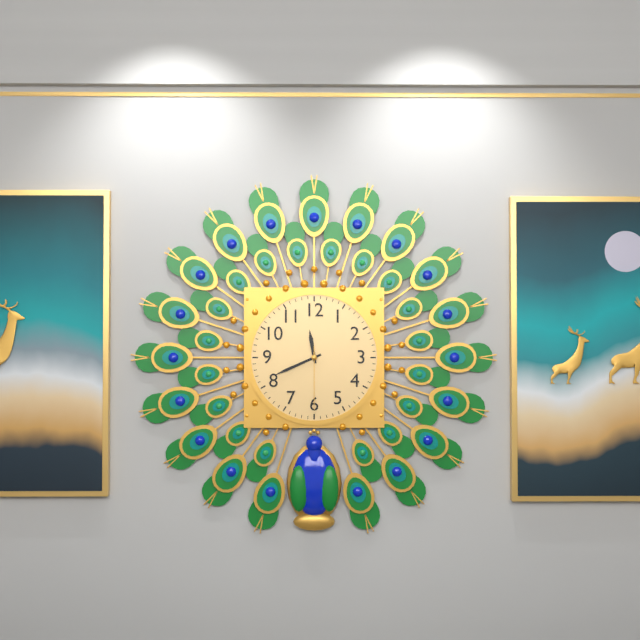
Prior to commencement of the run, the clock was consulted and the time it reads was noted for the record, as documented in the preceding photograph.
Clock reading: 11:41:30
